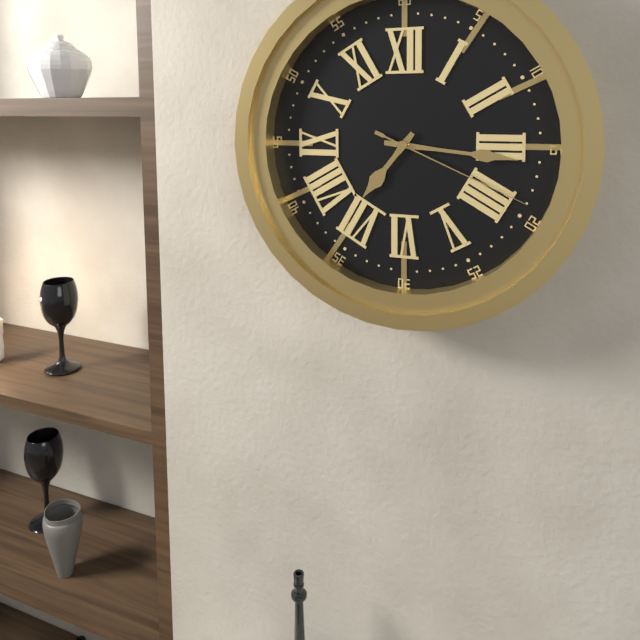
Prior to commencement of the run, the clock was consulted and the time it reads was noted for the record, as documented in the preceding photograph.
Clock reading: 7:16:19
